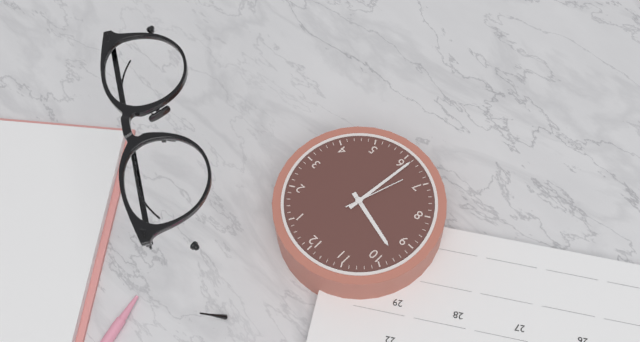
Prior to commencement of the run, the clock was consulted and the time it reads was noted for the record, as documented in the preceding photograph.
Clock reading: 9:31:33
